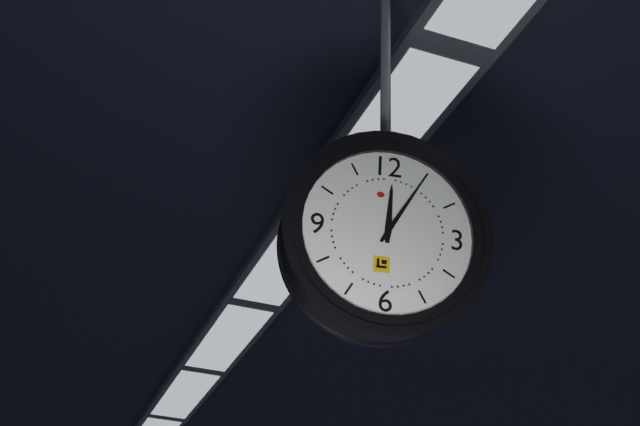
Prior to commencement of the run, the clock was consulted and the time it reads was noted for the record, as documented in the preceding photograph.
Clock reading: 12:05
